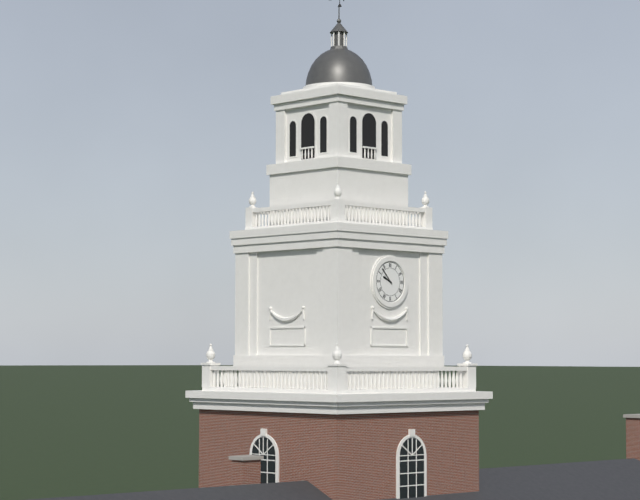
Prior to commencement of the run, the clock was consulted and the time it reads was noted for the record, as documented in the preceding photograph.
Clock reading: 9:53
